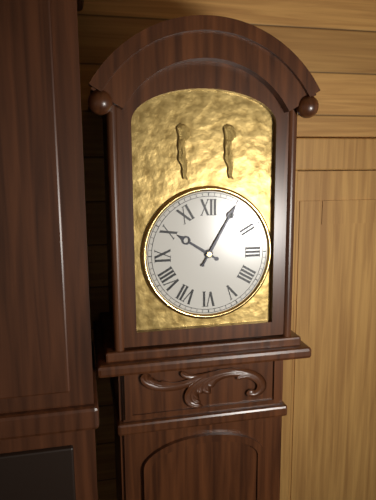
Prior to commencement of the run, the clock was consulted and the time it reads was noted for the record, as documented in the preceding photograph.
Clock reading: 10:05
